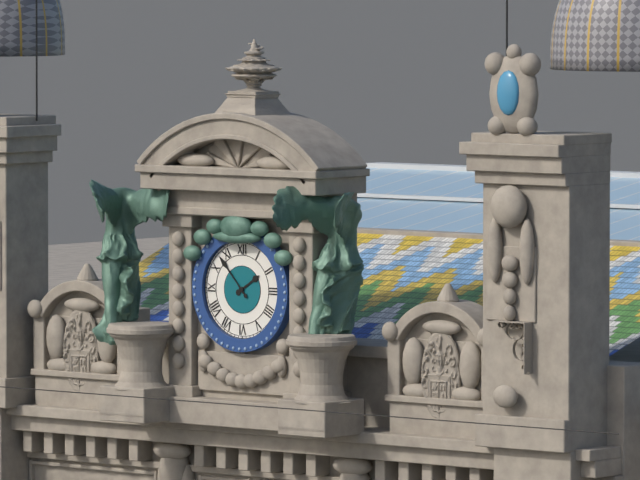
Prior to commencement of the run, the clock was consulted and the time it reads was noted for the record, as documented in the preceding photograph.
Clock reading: 1:53
